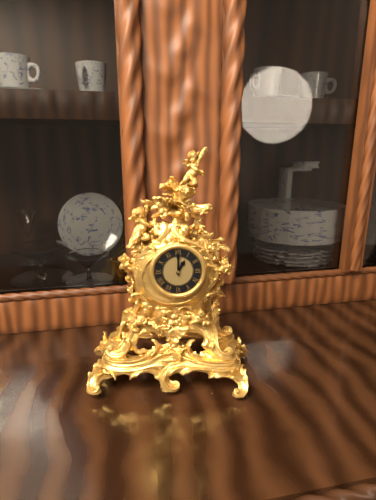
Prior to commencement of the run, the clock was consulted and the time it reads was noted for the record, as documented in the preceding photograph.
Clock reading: 1:00
